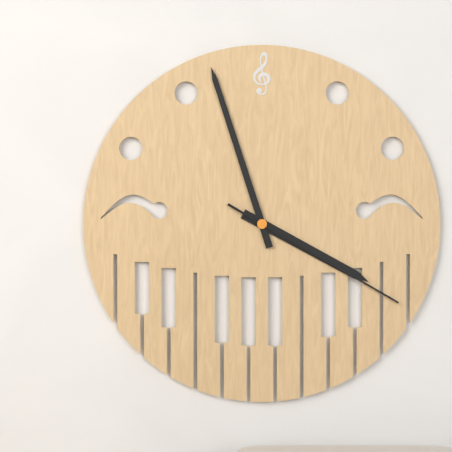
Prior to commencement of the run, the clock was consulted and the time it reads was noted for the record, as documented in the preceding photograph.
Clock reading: 3:57:20
